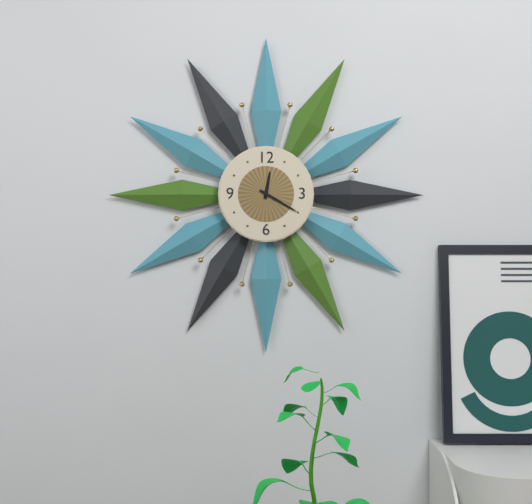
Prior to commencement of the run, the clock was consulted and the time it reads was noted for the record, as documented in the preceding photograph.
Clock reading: 12:20
